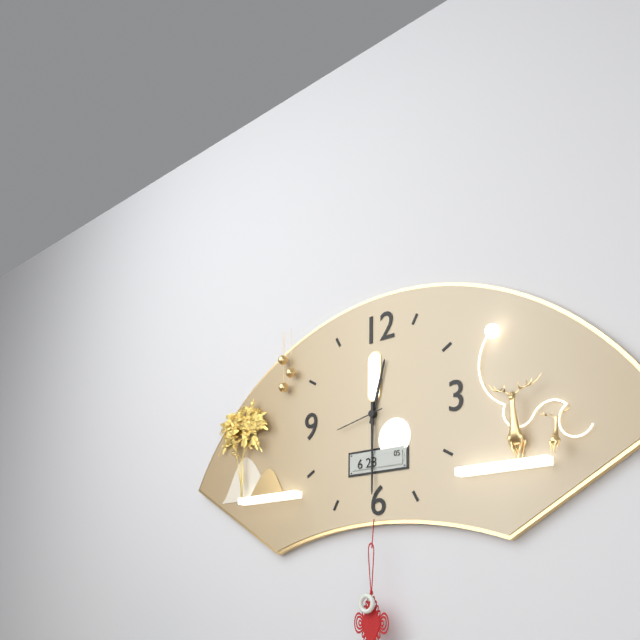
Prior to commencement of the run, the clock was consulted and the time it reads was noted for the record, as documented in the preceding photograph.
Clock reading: 12:30:43
